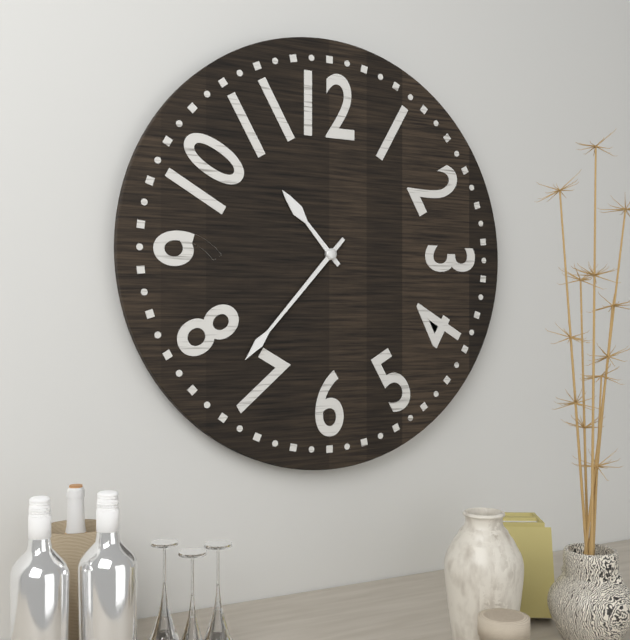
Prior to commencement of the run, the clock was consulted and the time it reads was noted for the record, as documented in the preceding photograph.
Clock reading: 10:37
